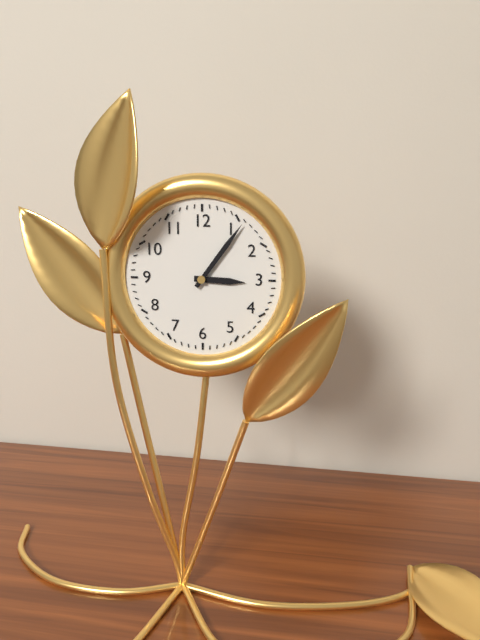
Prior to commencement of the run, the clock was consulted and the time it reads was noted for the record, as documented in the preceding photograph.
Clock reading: 3:06
